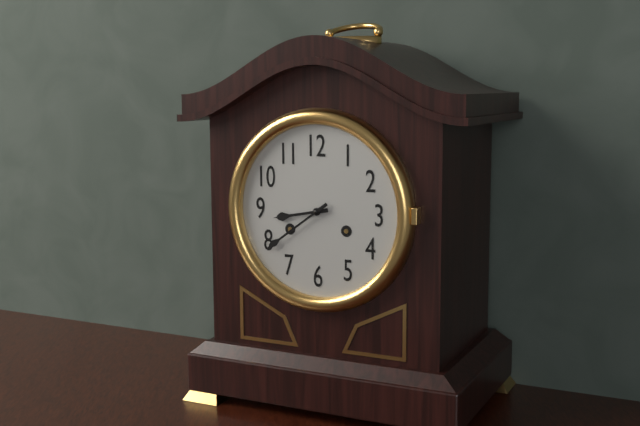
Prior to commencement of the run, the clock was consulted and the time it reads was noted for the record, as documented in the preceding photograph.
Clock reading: 8:39
